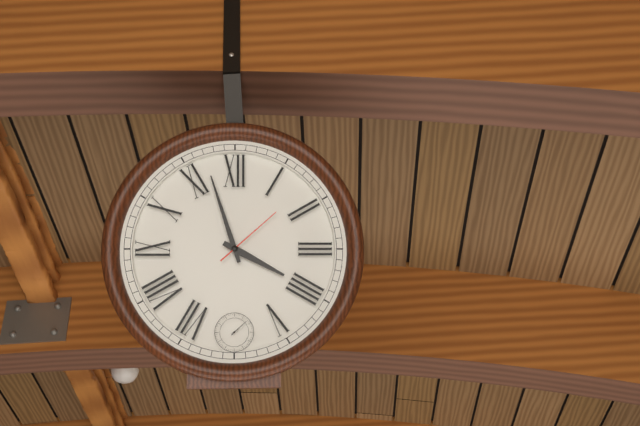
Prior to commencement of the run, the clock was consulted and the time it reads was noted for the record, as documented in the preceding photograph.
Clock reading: 3:57:08
